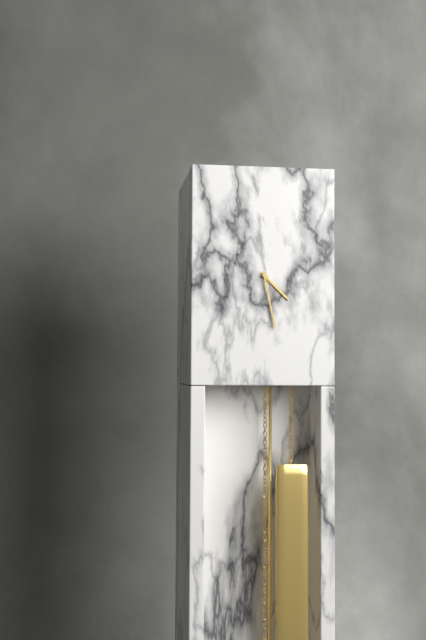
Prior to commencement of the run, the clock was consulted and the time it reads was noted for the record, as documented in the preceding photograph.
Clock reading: 4:28
